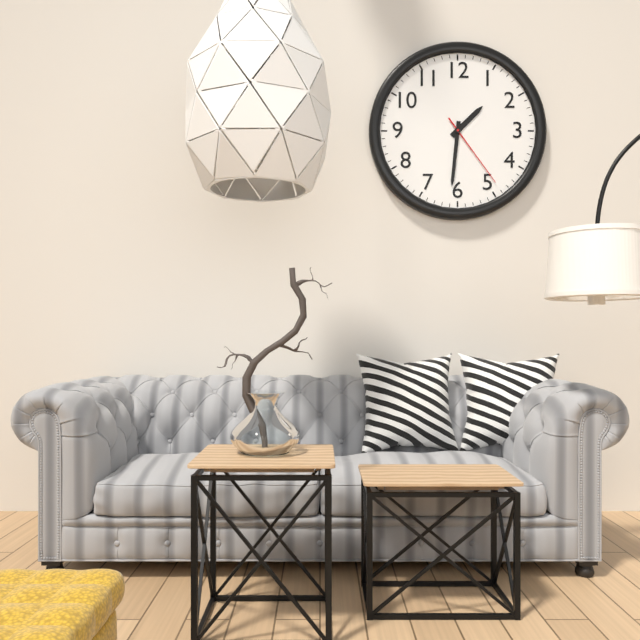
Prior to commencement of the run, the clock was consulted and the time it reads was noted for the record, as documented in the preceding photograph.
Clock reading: 1:31:24
